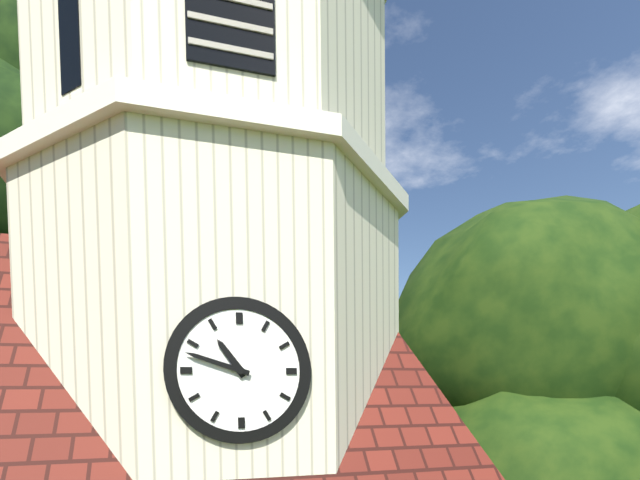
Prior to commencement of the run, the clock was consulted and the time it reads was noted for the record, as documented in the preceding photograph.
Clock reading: 10:48
